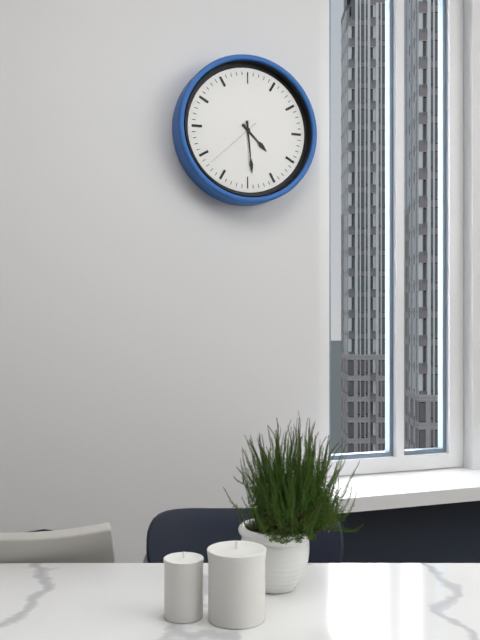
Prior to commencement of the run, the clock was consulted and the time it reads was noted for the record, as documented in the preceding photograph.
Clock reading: 4:29:38
